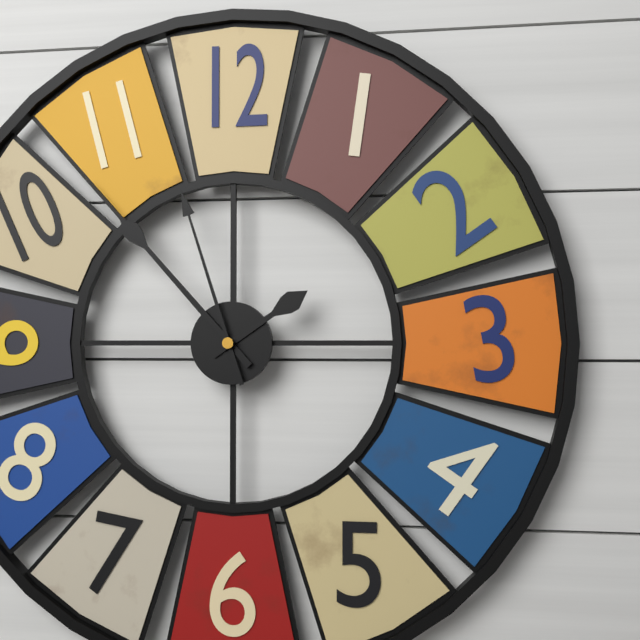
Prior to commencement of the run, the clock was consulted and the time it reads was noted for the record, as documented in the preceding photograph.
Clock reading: 1:53:57
